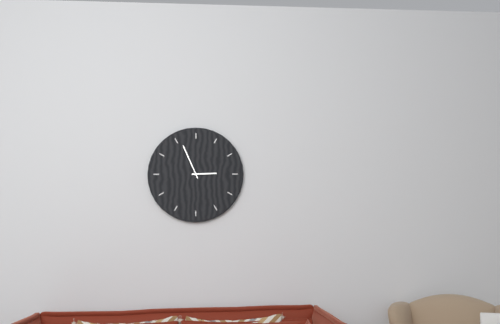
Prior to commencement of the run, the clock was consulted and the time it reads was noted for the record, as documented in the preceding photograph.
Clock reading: 2:56
